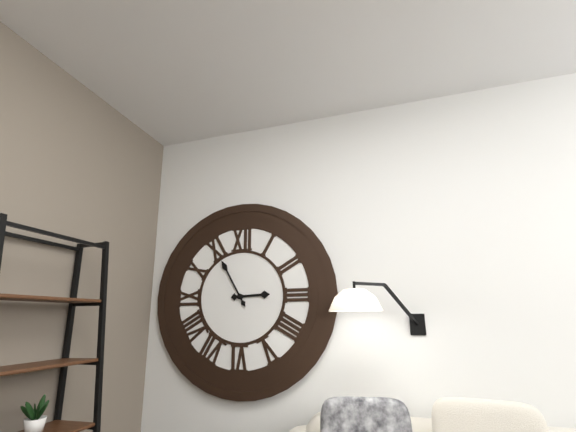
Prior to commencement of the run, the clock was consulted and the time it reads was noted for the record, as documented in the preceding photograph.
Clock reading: 2:55
